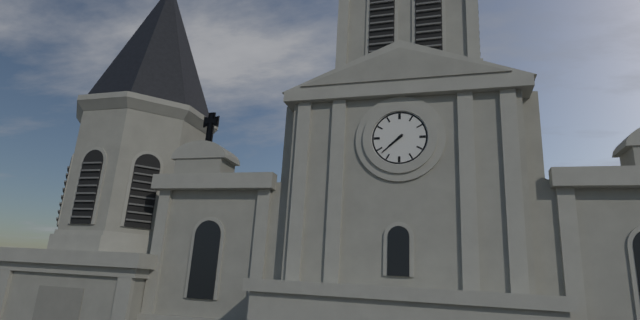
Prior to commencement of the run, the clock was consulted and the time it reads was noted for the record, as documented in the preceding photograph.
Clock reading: 7:38
